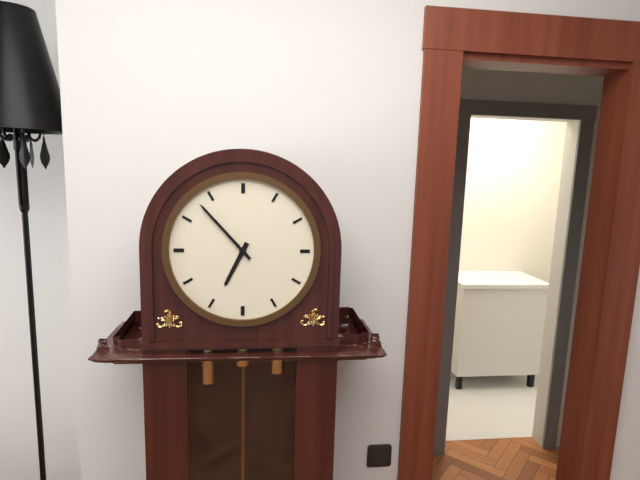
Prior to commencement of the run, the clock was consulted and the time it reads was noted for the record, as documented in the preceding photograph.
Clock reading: 6:53
